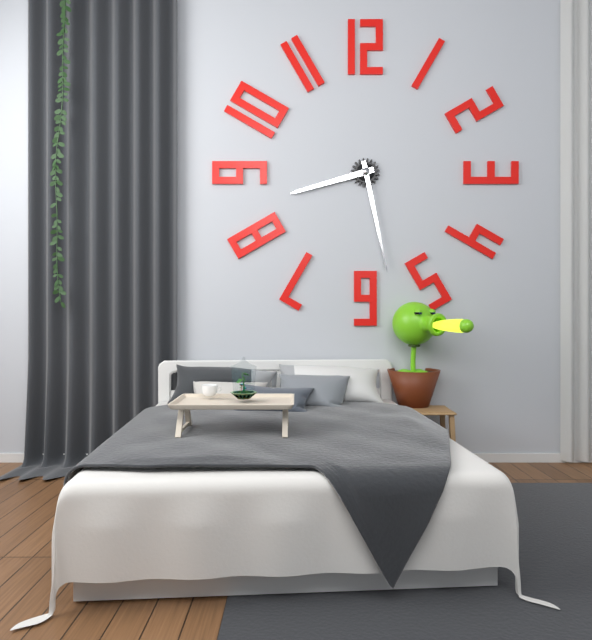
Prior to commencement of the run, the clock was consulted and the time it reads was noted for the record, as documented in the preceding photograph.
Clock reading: 8:28
